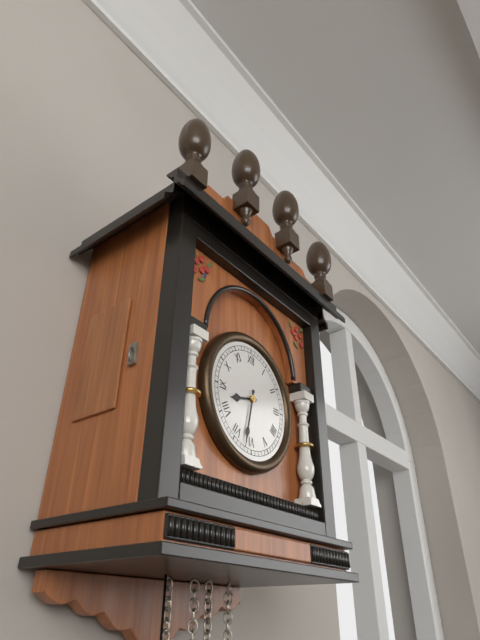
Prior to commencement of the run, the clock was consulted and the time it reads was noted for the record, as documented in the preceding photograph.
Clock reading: 8:32
